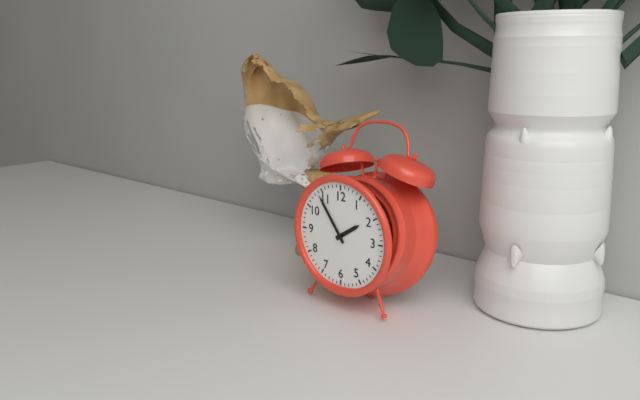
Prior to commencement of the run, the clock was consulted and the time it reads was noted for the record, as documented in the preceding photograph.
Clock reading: 1:54
